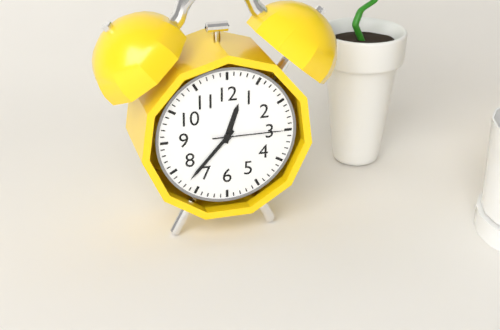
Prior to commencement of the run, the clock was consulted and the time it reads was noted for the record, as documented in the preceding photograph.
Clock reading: 12:37:15
